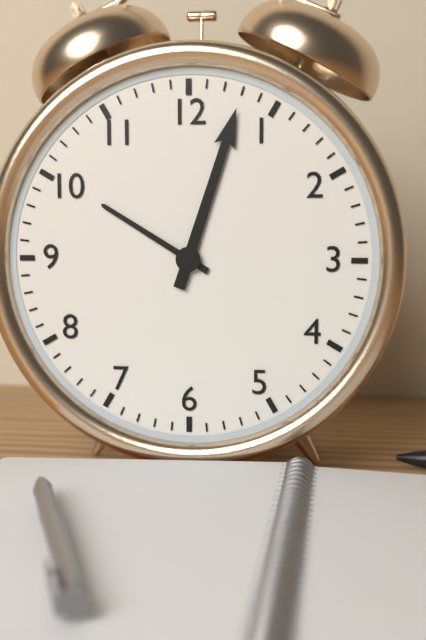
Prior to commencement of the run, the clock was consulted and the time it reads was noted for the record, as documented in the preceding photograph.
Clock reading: 10:03
